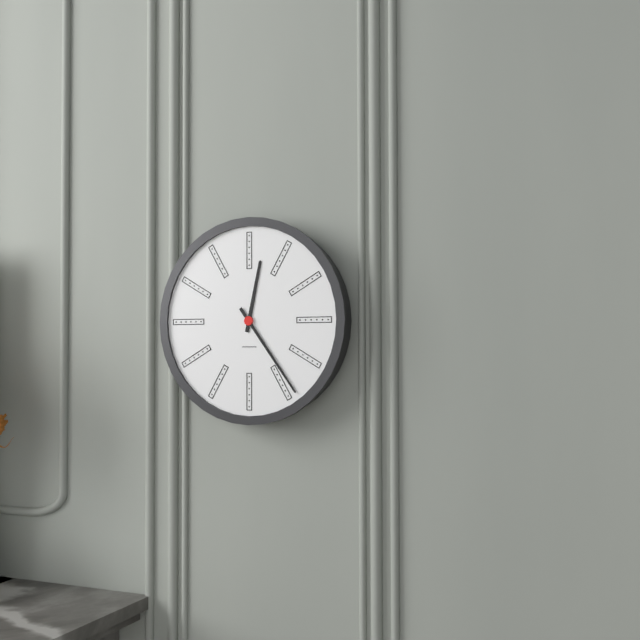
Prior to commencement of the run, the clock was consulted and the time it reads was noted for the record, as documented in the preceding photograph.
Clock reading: 12:24
